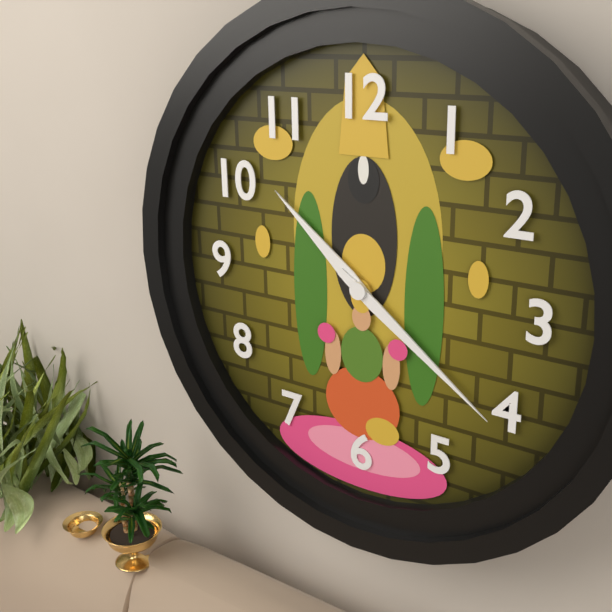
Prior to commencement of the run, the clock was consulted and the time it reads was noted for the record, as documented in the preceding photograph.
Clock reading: 10:21
